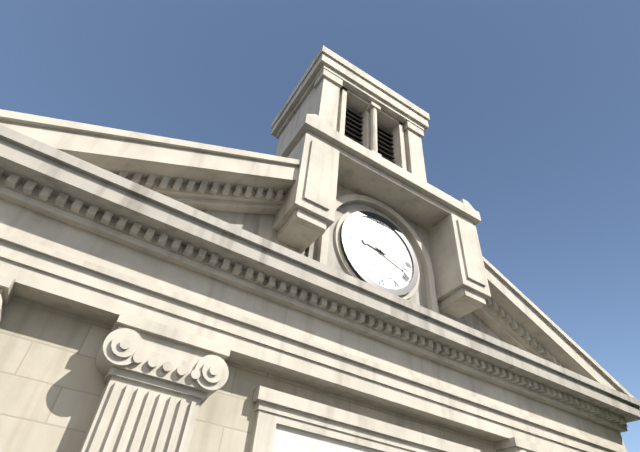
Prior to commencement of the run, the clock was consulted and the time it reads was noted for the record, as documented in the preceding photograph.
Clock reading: 9:18
